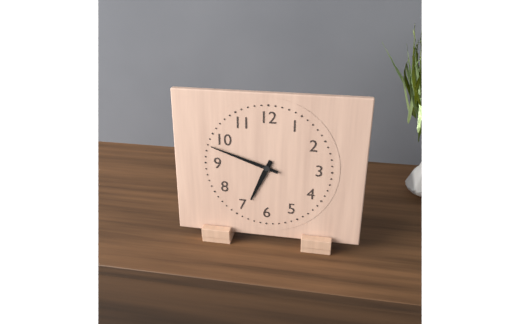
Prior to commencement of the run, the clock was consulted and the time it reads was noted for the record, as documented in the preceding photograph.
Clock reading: 6:48
